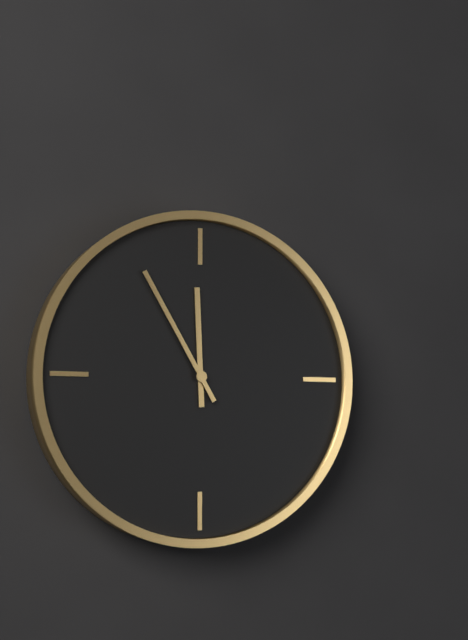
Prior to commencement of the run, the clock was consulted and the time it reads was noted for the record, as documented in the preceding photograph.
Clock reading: 11:55
